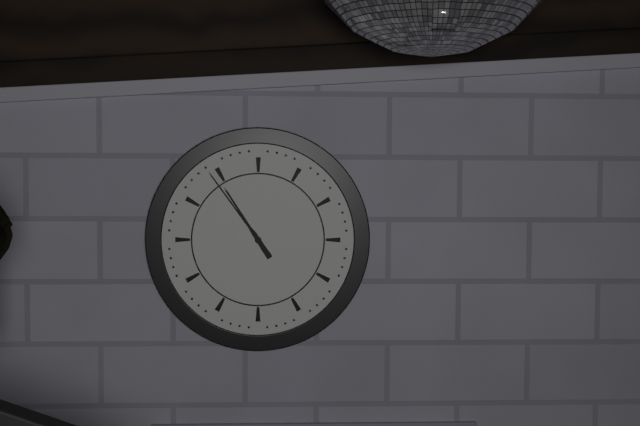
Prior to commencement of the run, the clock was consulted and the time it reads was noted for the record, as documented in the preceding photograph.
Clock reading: 10:54
